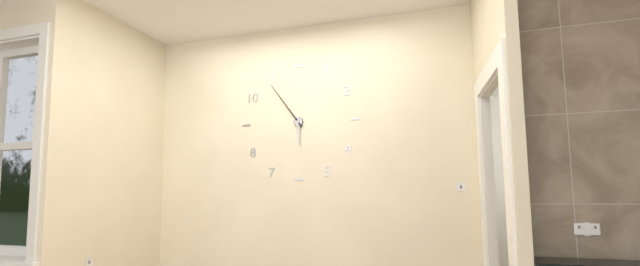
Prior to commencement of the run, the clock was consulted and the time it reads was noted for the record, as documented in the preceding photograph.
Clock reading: 5:54
